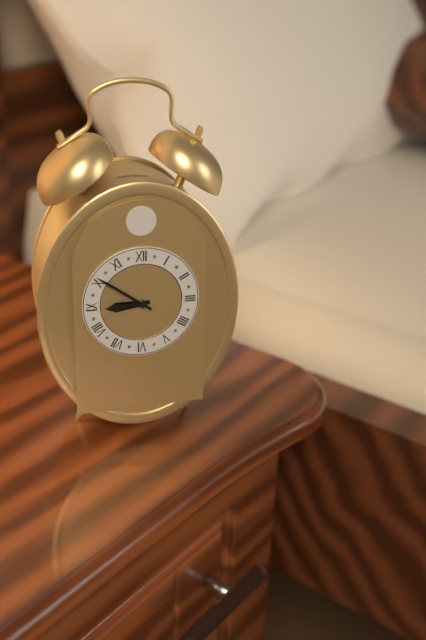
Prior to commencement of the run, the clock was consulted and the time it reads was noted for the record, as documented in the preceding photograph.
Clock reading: 8:51
